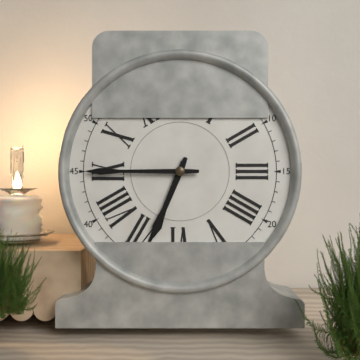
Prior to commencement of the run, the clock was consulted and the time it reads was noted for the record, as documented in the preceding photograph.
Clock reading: 6:45
